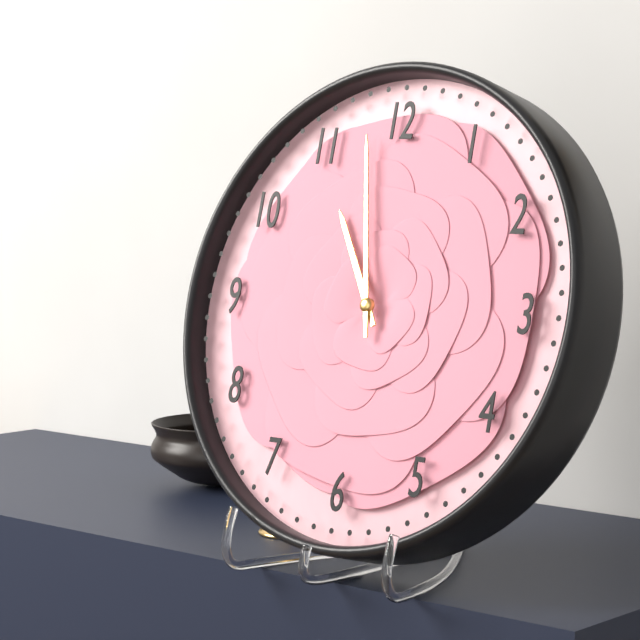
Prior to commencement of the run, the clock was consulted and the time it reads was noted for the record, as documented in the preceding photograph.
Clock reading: 10:58
